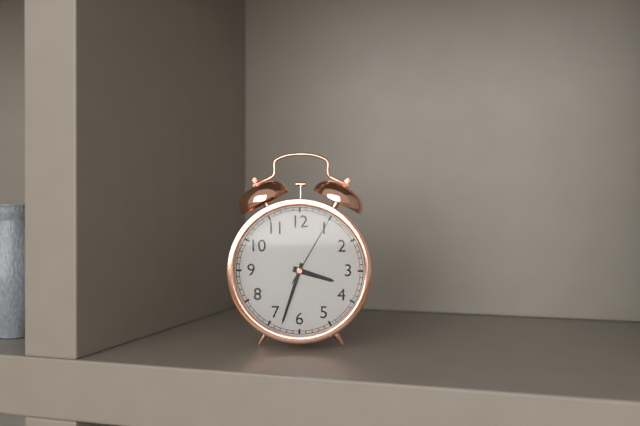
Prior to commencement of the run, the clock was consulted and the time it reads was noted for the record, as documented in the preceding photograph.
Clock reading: 3:33:05
